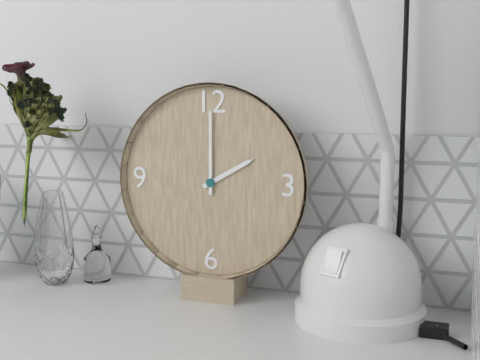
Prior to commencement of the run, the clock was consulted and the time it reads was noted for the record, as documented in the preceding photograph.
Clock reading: 2:00
